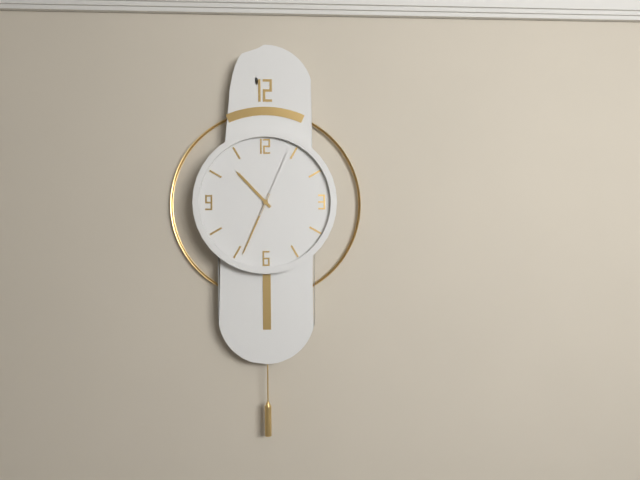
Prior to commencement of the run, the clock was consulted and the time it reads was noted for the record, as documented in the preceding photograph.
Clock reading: 10:34:04
